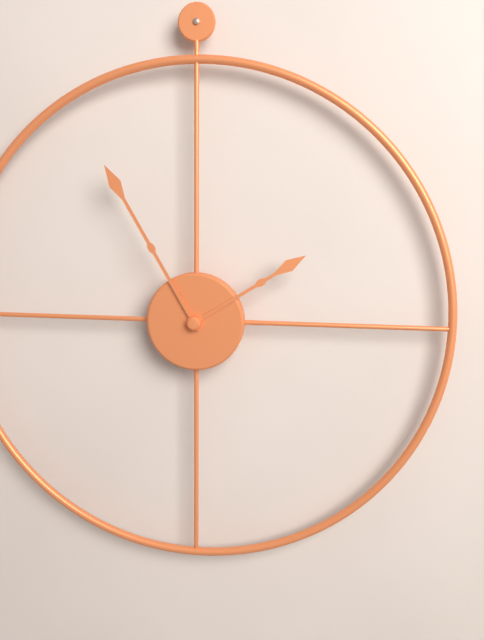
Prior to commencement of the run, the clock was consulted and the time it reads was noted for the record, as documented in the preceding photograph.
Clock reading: 1:55
